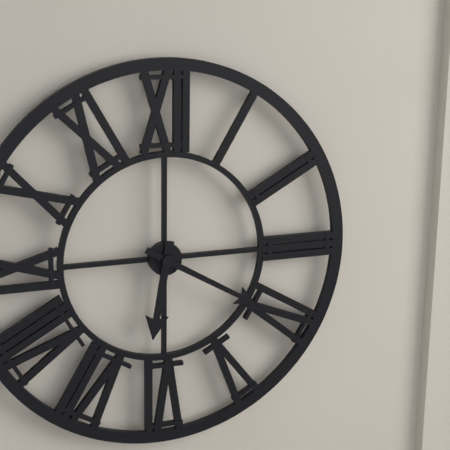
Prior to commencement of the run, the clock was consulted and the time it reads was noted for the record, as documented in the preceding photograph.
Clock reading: 6:20
